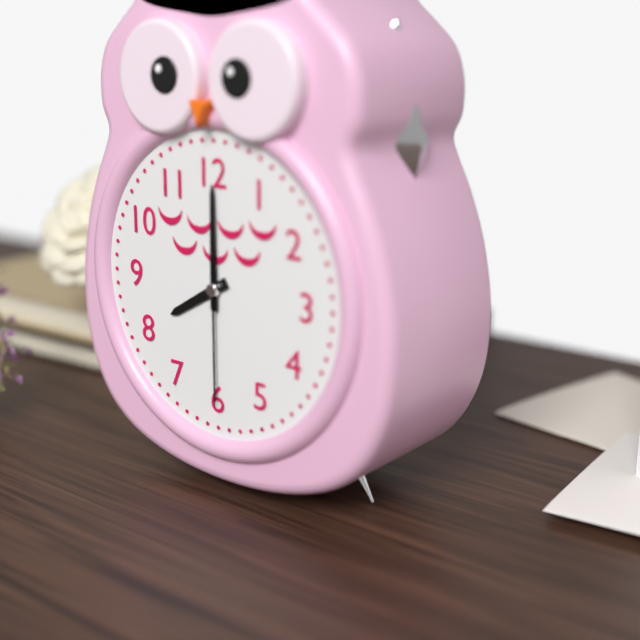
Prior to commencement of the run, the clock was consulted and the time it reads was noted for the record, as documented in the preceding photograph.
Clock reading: 8:00:30
